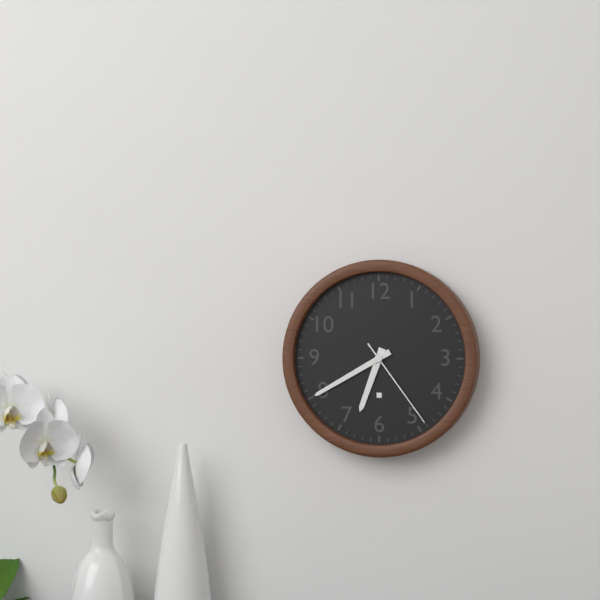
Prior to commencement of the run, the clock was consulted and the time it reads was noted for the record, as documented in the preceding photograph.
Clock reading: 6:40:24
